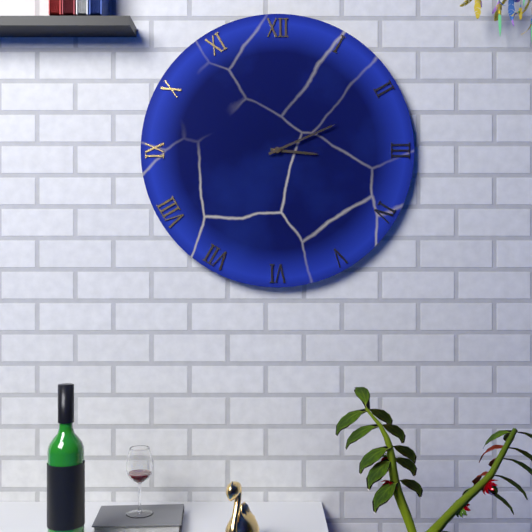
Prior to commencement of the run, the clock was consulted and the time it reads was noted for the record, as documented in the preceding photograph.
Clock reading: 3:11
